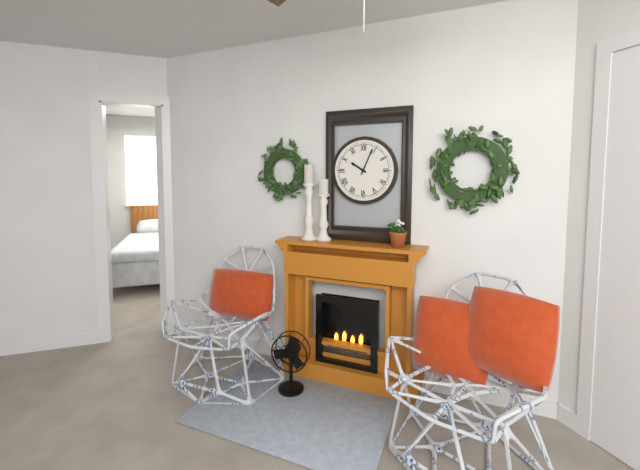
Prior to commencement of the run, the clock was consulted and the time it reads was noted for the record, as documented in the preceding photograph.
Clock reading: 10:04
